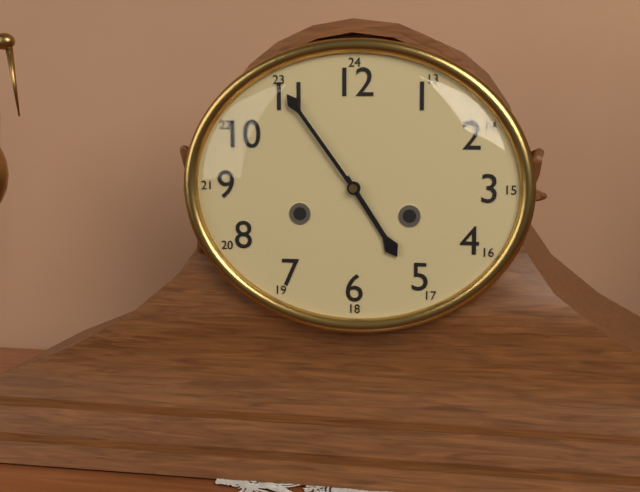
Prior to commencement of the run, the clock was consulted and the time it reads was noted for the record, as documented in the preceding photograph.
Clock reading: 4:54
